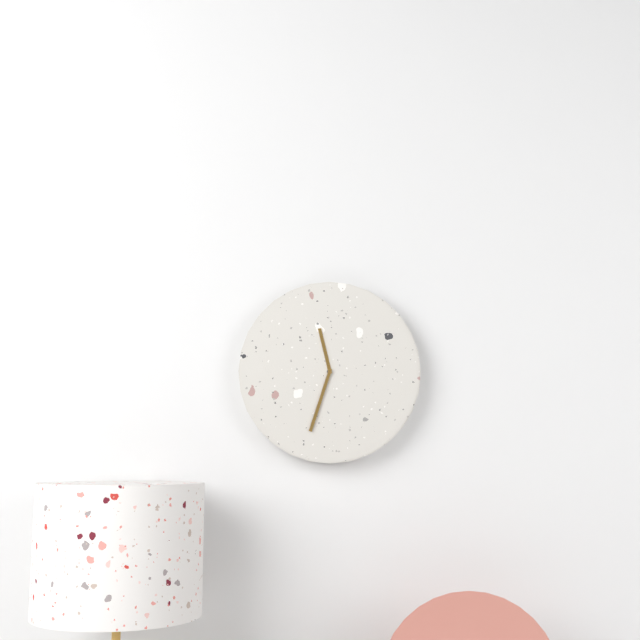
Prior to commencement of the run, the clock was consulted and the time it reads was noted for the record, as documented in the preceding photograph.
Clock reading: 11:33
